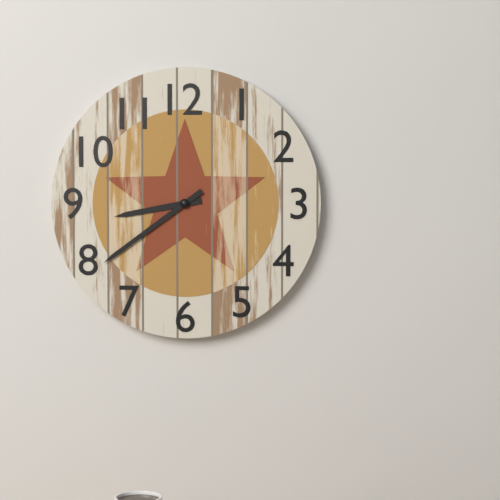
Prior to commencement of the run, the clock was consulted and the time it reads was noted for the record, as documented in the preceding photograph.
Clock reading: 8:39
